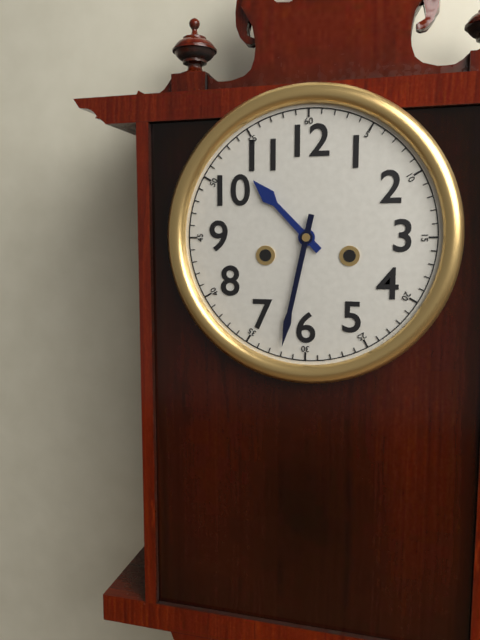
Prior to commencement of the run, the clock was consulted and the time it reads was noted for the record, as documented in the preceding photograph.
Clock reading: 10:32
